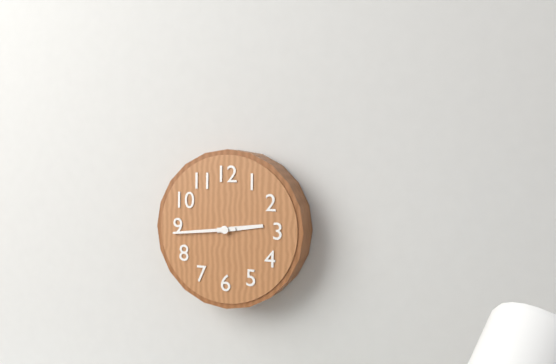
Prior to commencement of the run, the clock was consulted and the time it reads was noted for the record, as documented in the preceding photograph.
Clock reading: 2:44
